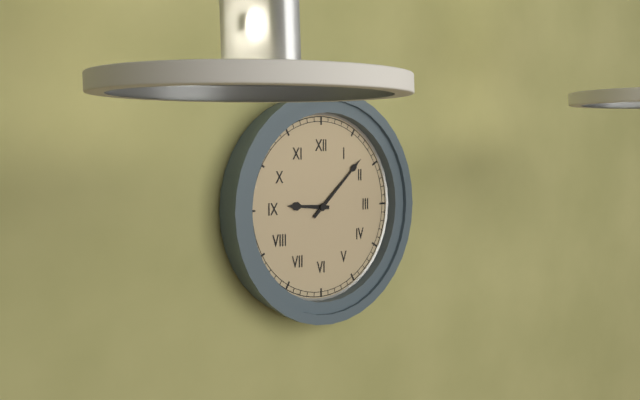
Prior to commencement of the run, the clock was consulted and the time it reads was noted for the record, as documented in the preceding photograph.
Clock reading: 9:08
